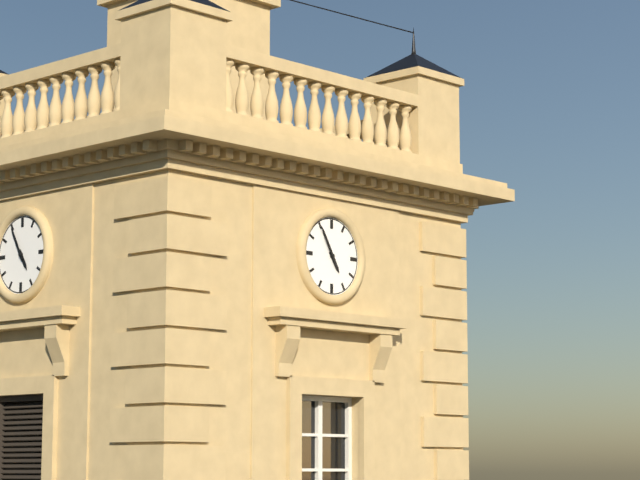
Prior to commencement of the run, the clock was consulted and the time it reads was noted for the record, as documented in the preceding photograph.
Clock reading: 4:55
